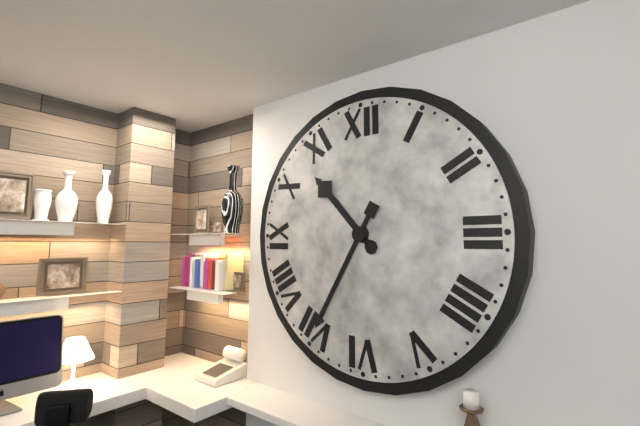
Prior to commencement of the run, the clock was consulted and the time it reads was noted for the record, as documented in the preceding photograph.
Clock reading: 10:35
